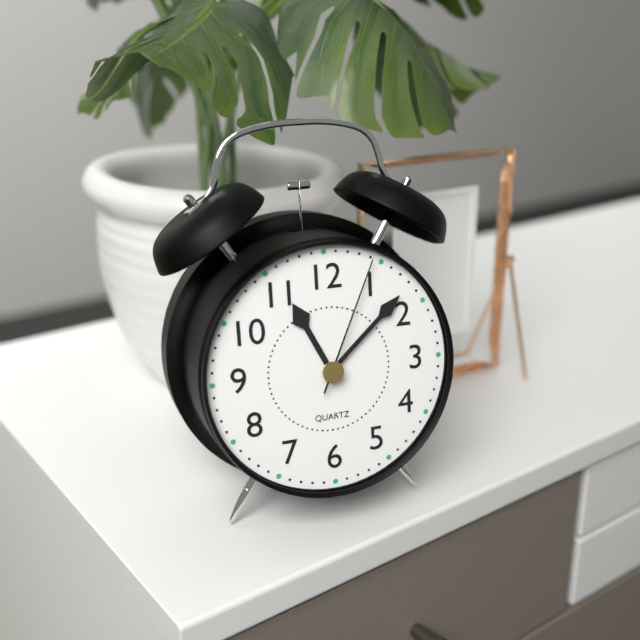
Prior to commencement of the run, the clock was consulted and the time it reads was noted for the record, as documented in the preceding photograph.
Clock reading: 11:08:04
